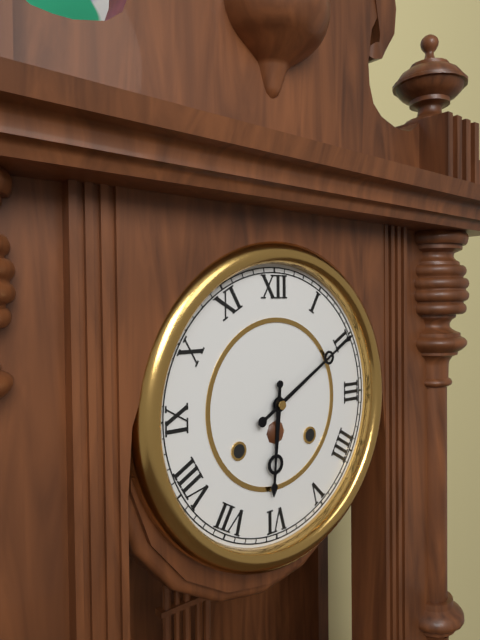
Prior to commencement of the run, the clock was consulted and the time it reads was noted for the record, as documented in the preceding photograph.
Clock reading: 6:10
